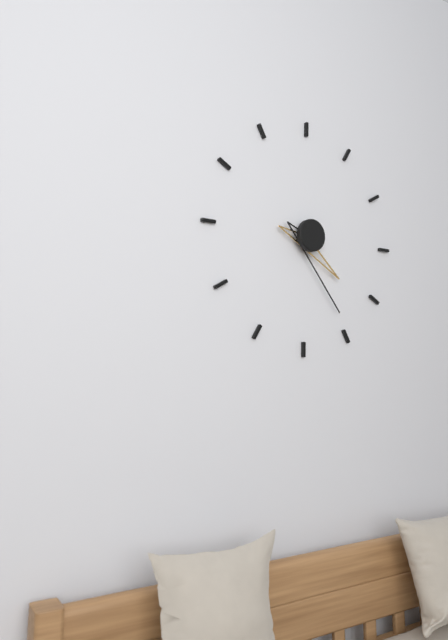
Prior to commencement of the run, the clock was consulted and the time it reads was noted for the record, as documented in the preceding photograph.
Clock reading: 4:25
